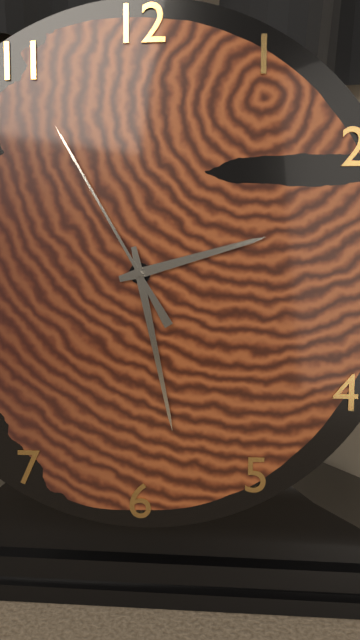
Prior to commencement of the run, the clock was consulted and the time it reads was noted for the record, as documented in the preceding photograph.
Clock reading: 2:28:55
